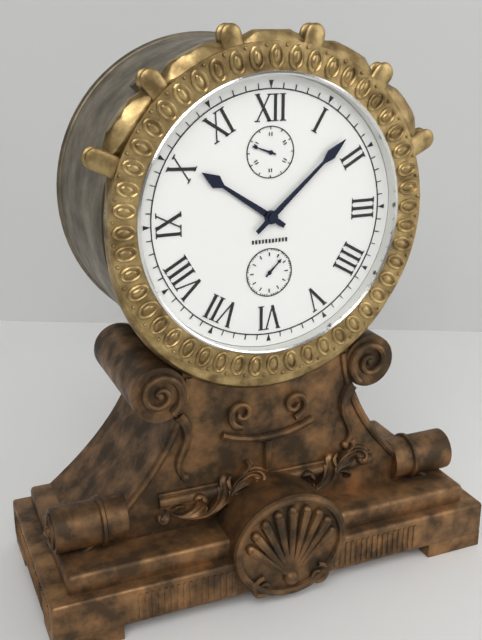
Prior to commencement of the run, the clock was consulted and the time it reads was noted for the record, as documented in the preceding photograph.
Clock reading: 10:08
